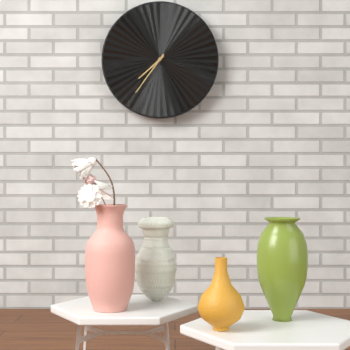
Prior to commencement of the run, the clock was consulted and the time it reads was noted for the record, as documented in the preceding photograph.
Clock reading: 7:36
